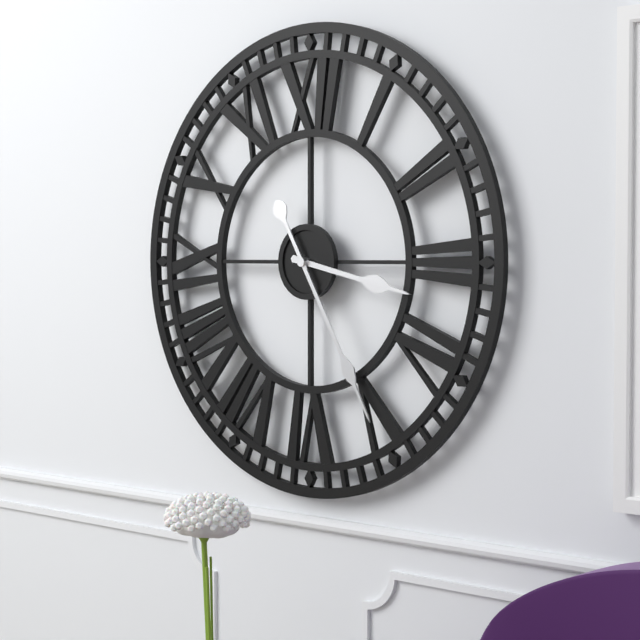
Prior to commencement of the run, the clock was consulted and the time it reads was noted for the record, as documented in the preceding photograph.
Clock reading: 3:25
